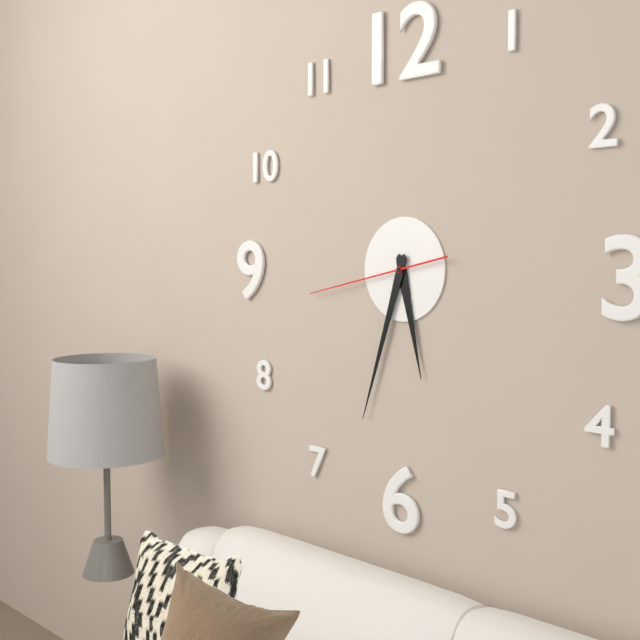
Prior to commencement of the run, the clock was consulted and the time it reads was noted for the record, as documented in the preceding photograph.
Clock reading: 5:33:43
